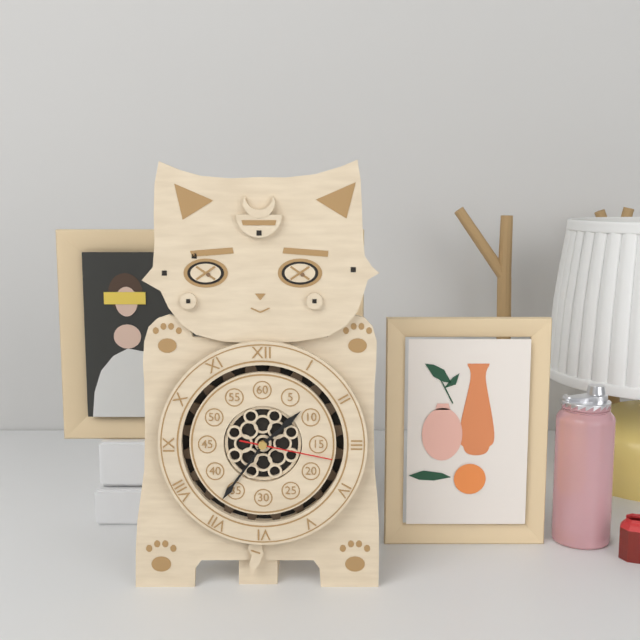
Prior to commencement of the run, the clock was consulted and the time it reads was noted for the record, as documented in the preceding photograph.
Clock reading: 1:36:17
